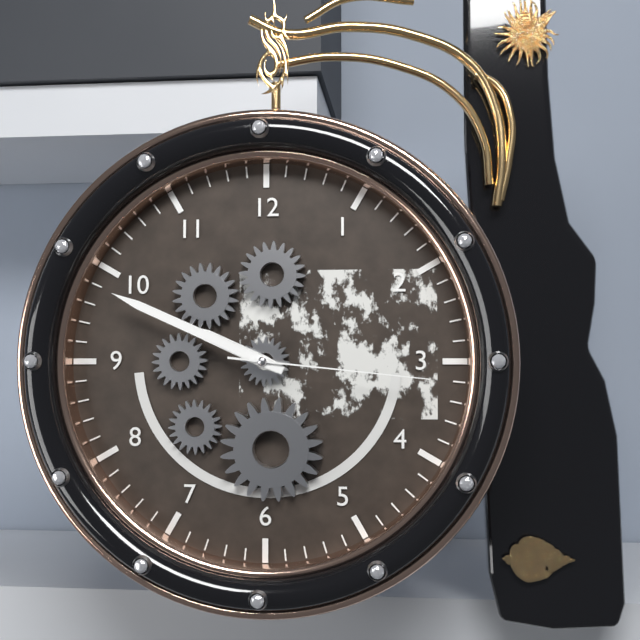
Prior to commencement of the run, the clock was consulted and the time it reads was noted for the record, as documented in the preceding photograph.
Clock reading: 9:49:16
